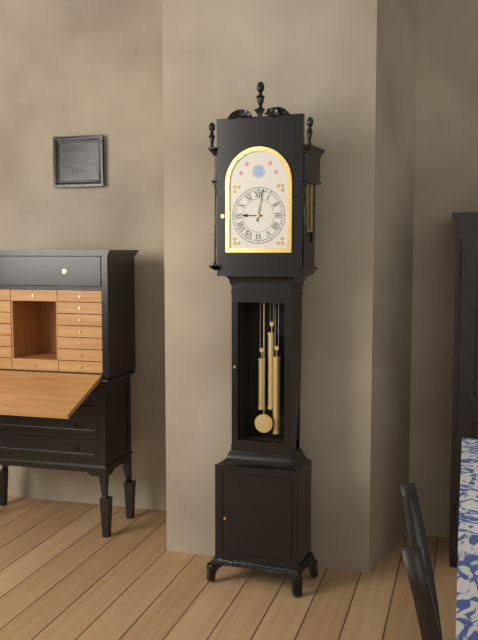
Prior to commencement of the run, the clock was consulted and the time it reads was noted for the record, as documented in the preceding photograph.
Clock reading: 9:02
